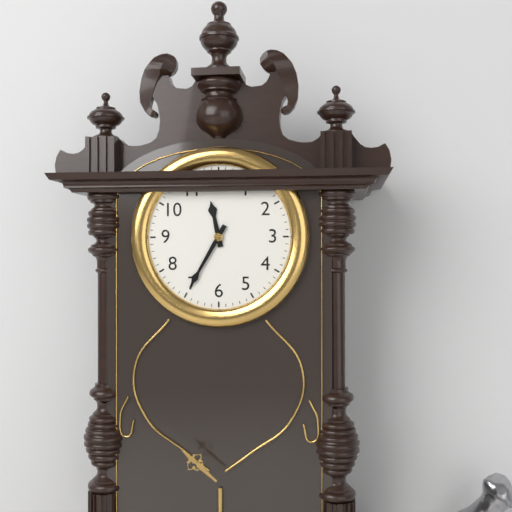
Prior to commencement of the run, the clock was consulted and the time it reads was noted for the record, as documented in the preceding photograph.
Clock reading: 11:35
